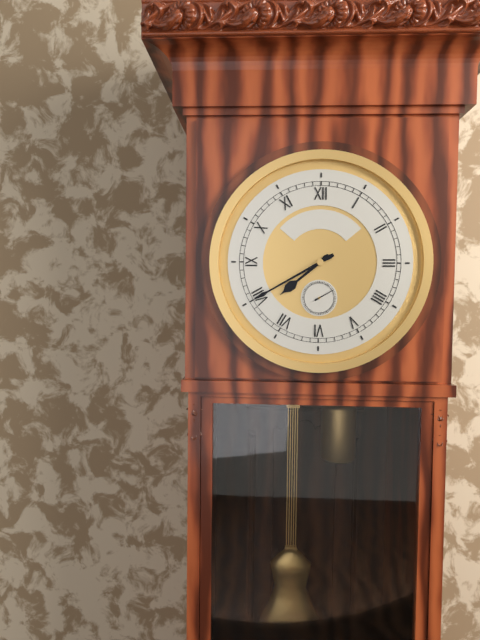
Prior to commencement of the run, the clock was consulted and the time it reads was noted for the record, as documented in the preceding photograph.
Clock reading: 7:40
